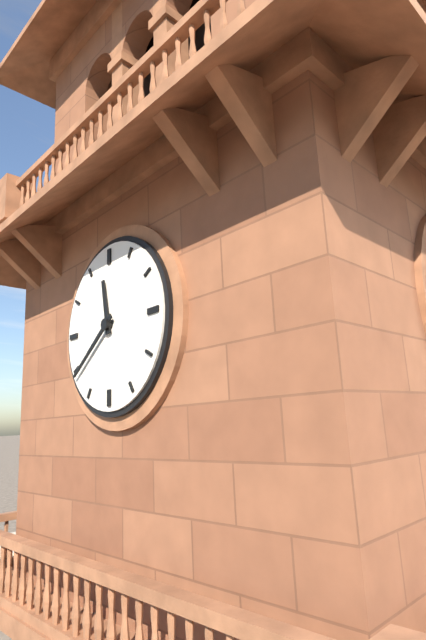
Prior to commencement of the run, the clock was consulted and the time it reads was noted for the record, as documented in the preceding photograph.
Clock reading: 11:39
